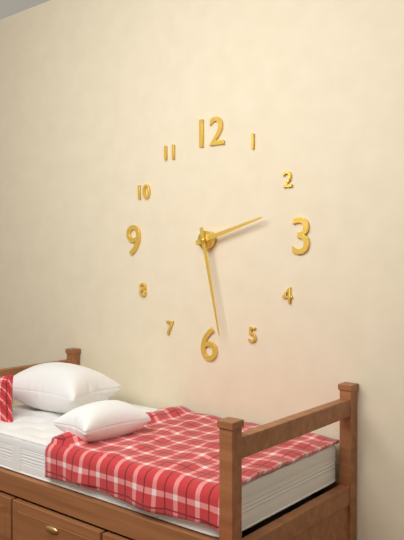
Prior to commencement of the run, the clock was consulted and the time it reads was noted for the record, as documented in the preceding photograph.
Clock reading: 2:28
